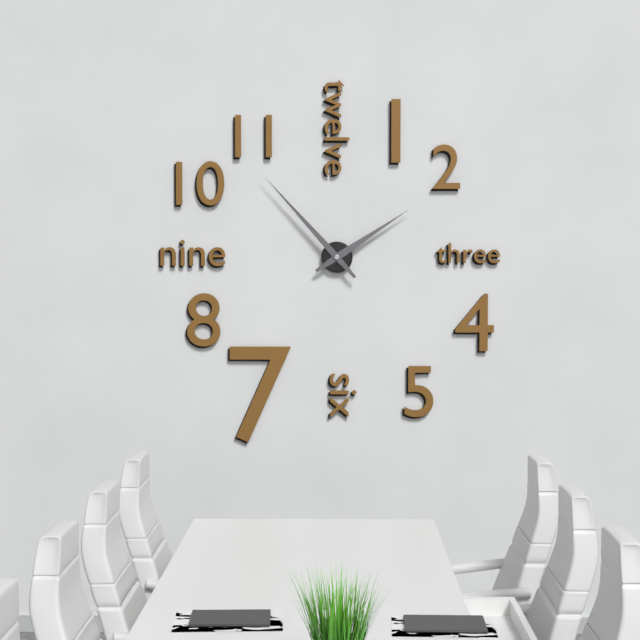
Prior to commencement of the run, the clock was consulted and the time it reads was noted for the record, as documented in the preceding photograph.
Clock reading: 1:53
